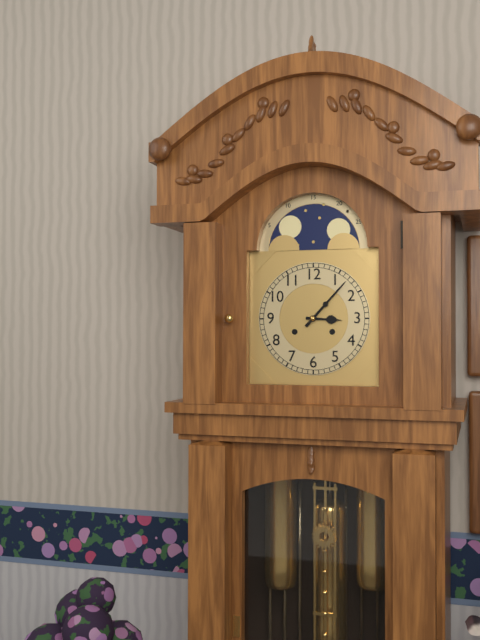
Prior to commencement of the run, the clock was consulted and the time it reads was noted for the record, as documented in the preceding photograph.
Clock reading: 3:07
